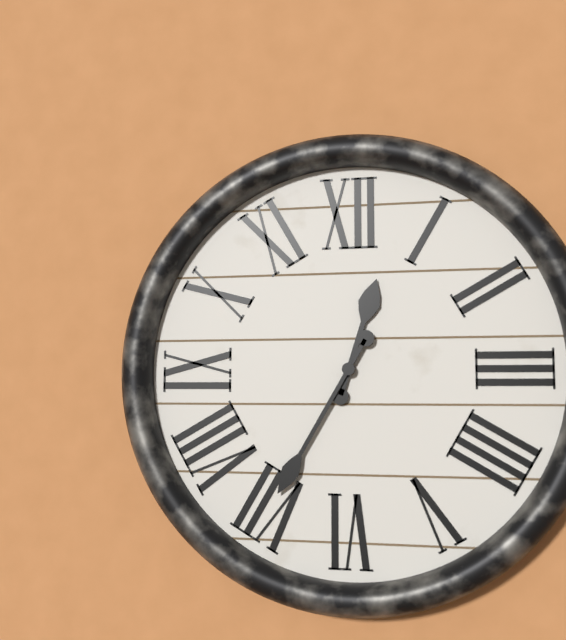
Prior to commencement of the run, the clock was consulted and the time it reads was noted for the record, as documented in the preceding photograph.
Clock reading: 12:35
